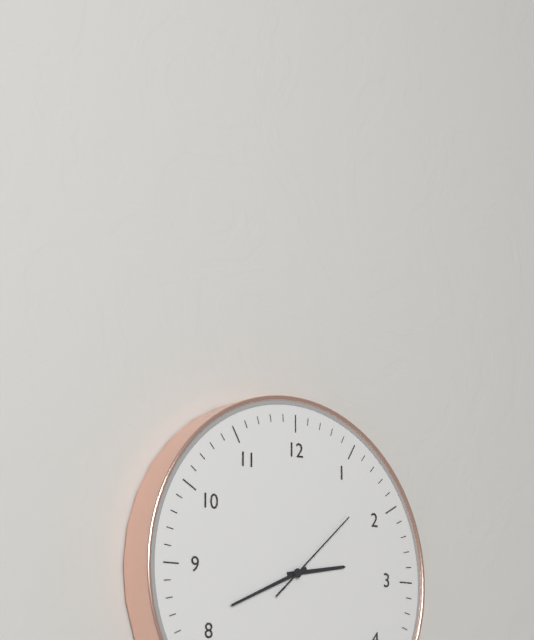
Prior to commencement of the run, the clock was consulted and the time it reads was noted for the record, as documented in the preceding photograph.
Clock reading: 2:41:08
